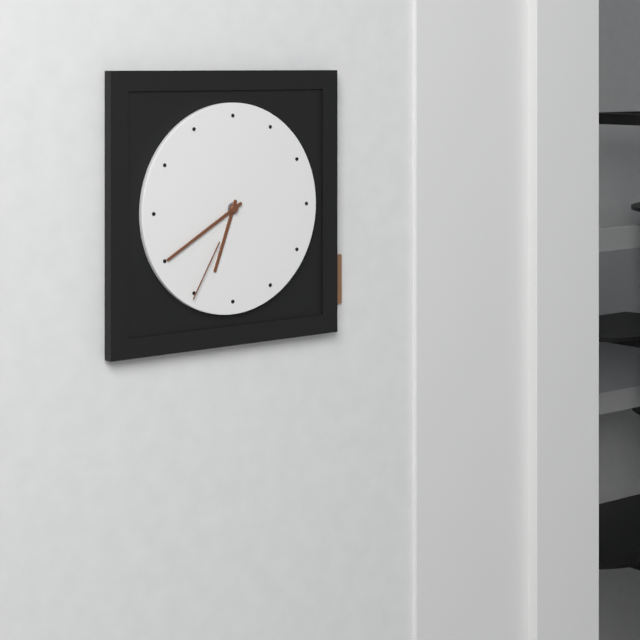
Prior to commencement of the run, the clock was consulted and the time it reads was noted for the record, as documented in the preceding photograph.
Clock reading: 6:40:35
